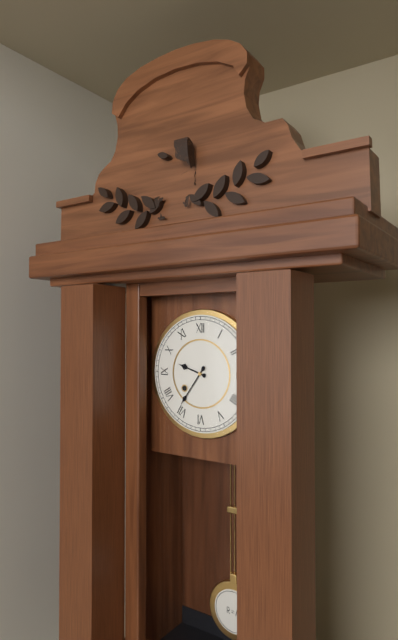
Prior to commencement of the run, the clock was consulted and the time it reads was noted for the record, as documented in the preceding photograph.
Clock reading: 9:36
